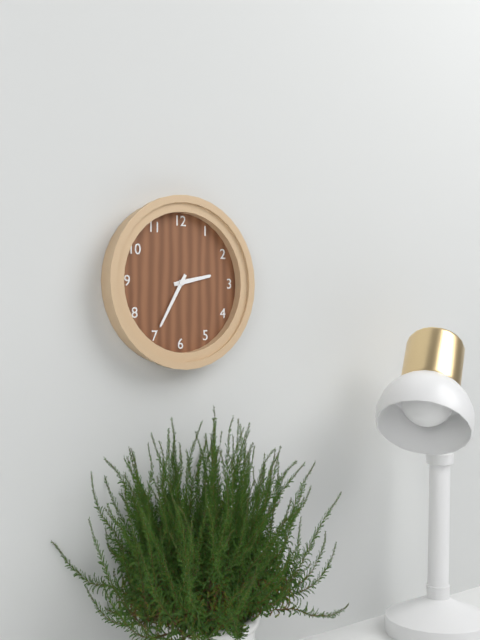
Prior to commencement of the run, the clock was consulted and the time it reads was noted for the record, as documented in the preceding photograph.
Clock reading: 2:35
